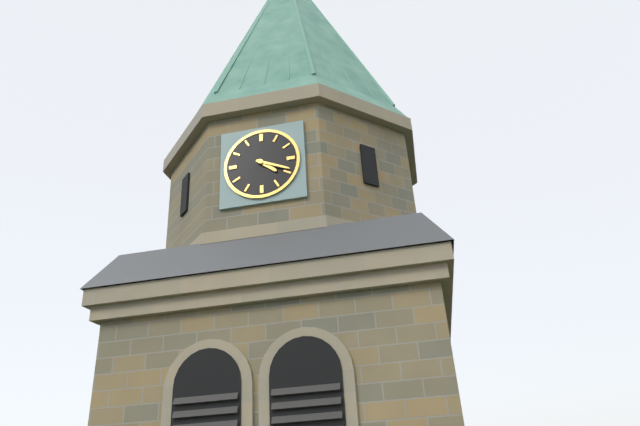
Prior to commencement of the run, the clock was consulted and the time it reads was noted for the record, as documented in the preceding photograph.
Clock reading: 4:19
